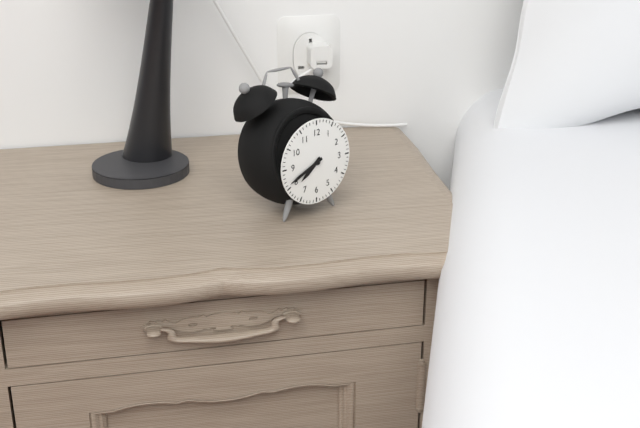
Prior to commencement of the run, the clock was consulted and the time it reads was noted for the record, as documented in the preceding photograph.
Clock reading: 7:41
